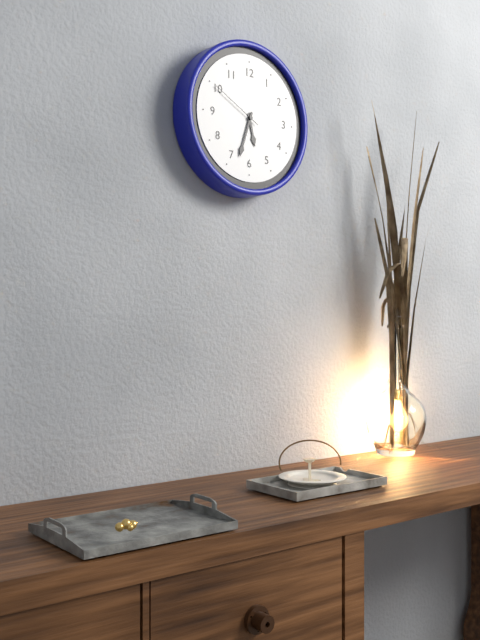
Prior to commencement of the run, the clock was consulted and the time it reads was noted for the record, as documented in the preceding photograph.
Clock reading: 5:33:50
